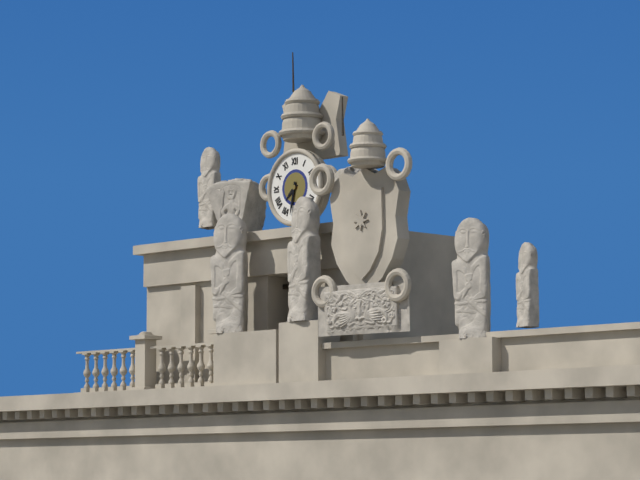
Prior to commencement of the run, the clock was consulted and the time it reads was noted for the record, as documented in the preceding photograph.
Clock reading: 7:32
